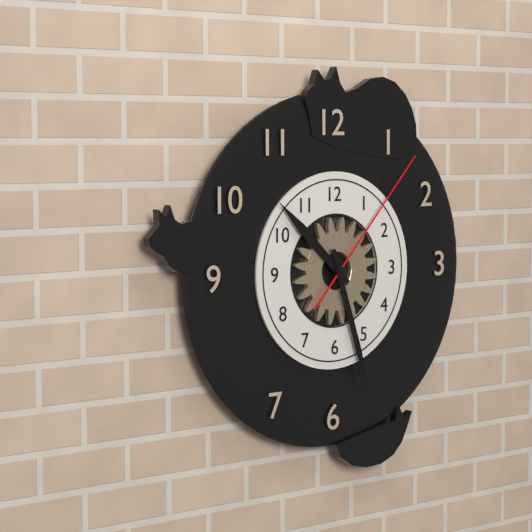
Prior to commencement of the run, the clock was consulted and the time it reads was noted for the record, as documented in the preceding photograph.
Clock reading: 10:27:07
